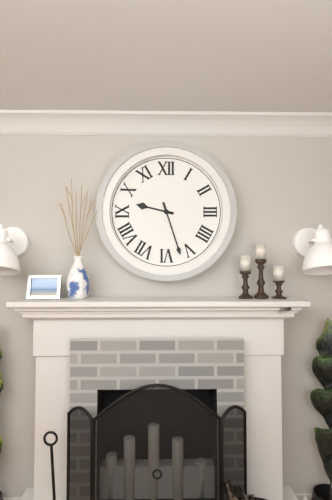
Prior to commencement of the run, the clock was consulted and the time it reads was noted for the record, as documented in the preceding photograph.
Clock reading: 9:27
